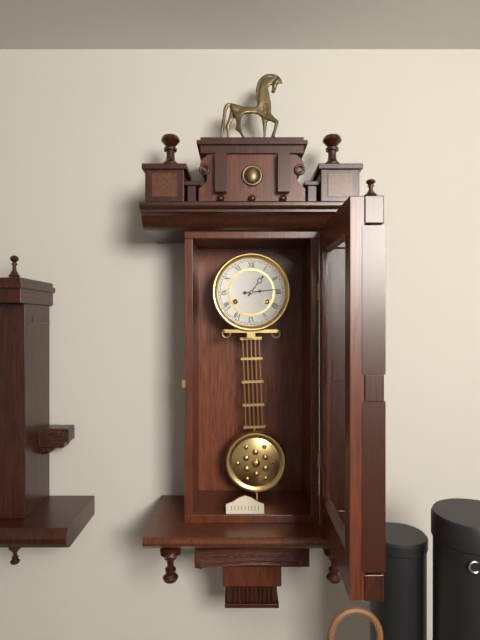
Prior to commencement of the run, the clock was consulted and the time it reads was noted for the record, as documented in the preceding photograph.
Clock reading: 1:14
